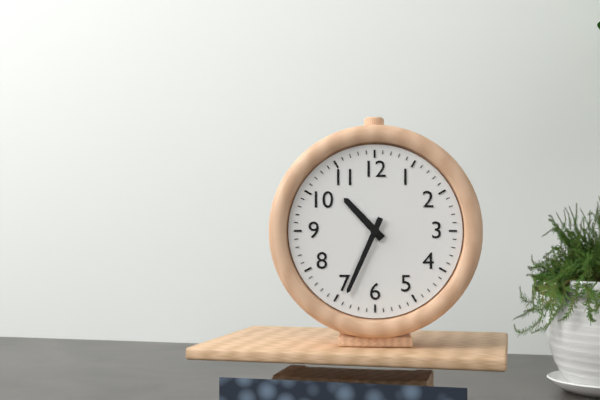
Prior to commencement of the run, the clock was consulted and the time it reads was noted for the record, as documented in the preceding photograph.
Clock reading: 10:34
